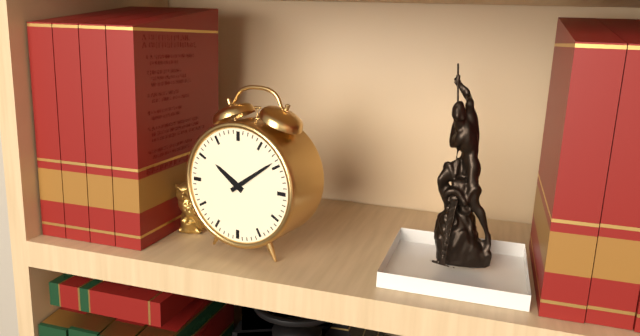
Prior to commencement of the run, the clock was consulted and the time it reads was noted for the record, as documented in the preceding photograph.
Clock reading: 10:09
